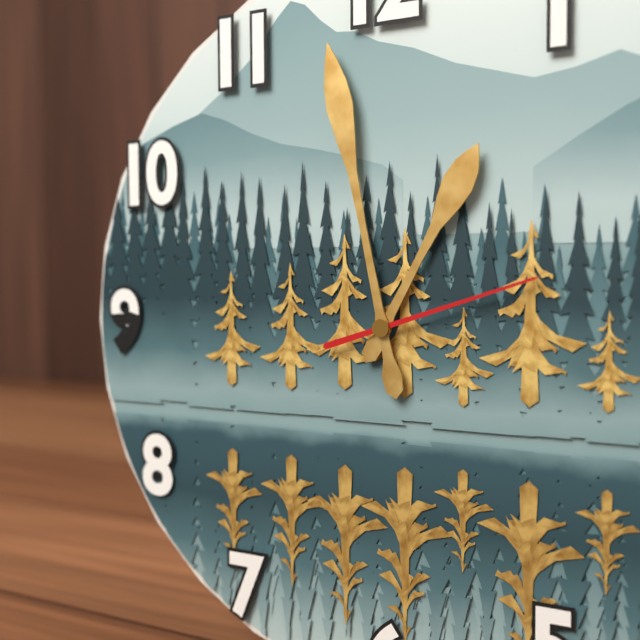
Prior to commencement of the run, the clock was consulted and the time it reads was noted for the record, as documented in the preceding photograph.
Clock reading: 12:58:12
